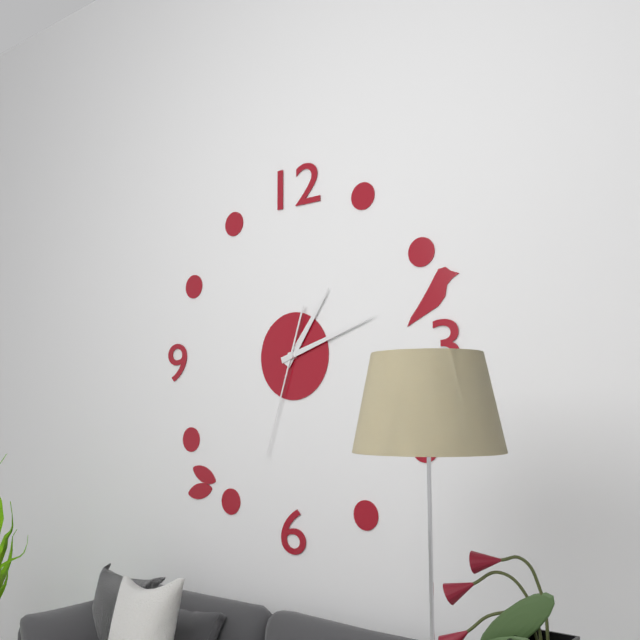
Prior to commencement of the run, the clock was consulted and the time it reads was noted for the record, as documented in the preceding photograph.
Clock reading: 1:12:33
